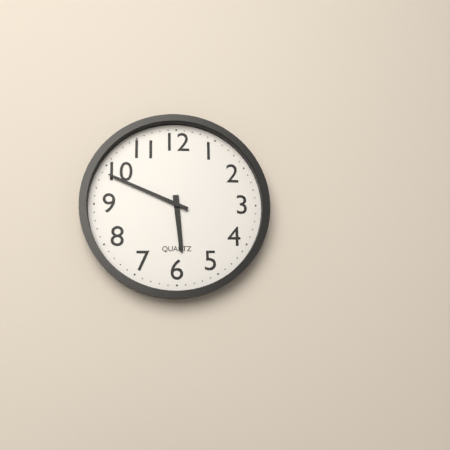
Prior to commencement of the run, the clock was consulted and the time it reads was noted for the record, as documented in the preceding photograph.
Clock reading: 5:49
